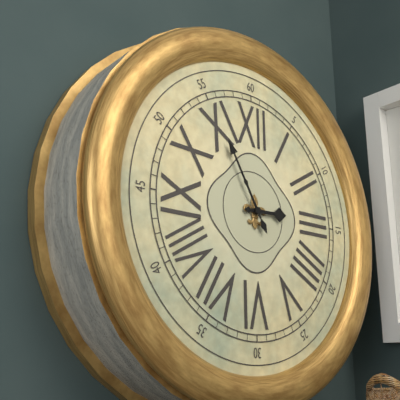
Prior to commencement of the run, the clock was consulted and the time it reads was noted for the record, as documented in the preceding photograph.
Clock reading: 2:55
